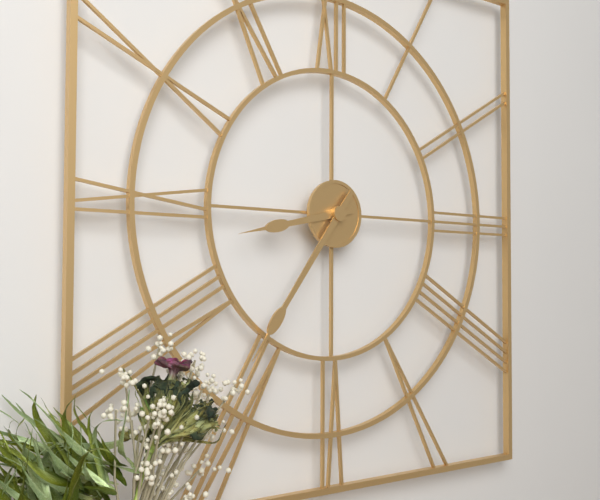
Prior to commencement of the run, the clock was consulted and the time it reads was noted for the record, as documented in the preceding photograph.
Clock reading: 8:36
